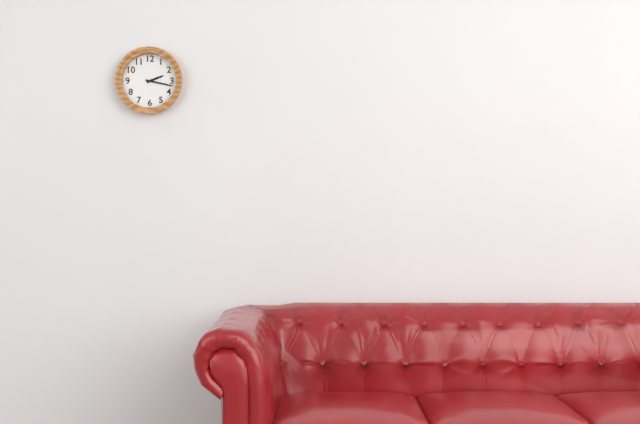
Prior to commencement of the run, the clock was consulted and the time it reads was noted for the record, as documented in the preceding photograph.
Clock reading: 2:17
